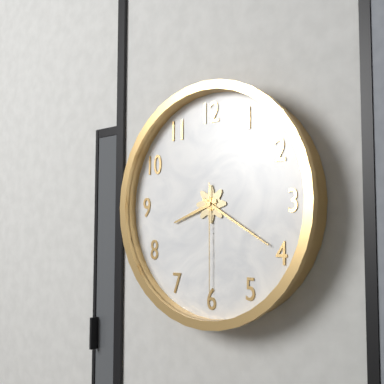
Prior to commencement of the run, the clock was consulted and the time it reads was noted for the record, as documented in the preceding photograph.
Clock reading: 8:20:30
